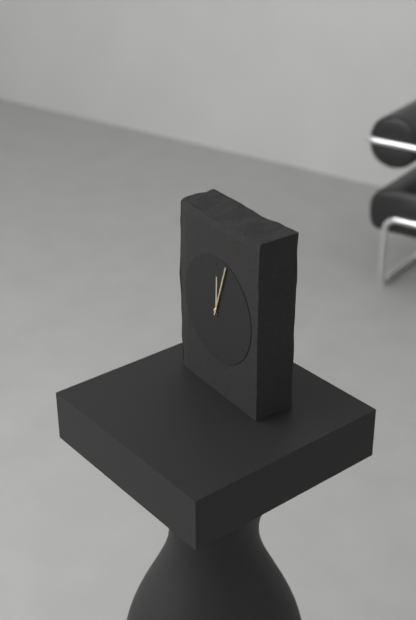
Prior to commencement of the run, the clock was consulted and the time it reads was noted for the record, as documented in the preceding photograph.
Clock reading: 12:03
